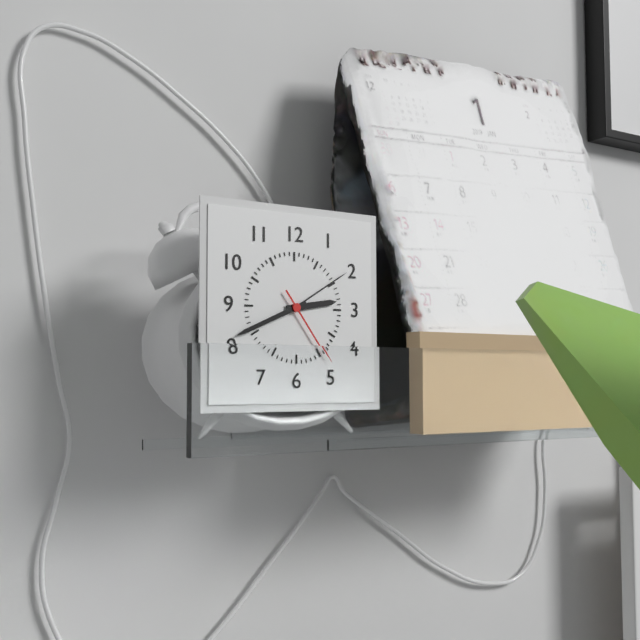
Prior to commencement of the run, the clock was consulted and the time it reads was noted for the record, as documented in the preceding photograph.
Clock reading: 2:41:24
